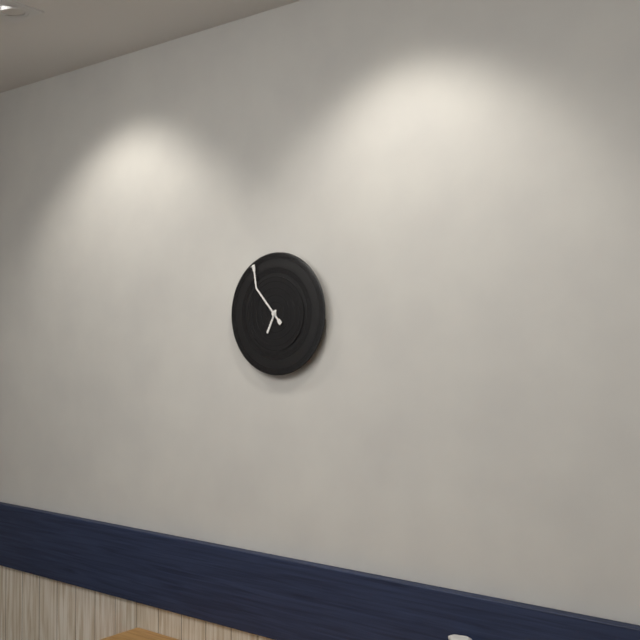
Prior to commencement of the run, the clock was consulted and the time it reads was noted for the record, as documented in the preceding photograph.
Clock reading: 6:53
